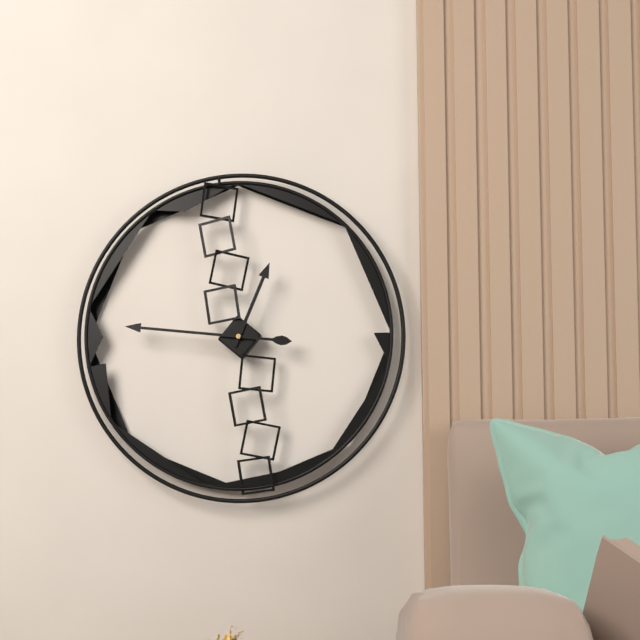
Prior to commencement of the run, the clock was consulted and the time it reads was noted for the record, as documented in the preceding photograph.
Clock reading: 12:46
